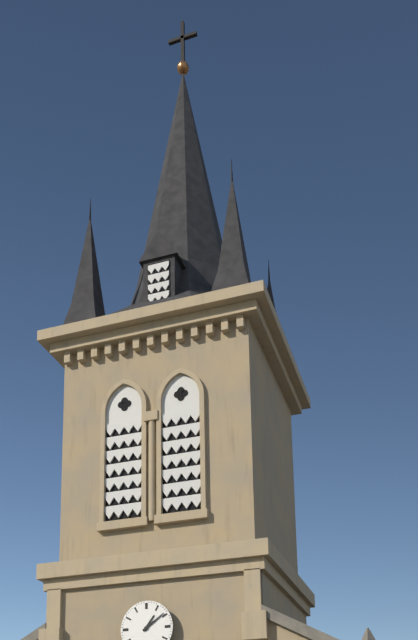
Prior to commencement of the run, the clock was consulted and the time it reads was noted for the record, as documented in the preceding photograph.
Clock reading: 1:09
